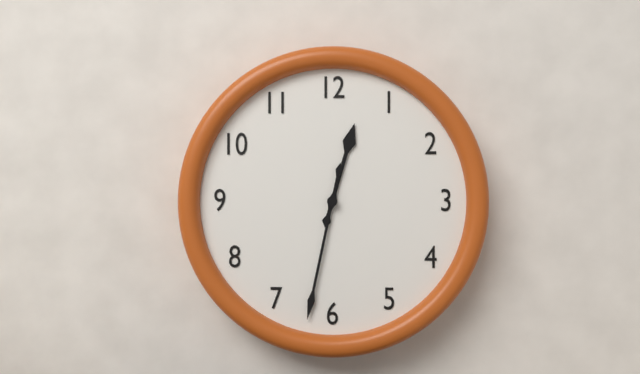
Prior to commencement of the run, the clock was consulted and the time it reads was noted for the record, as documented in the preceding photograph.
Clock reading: 12:32
